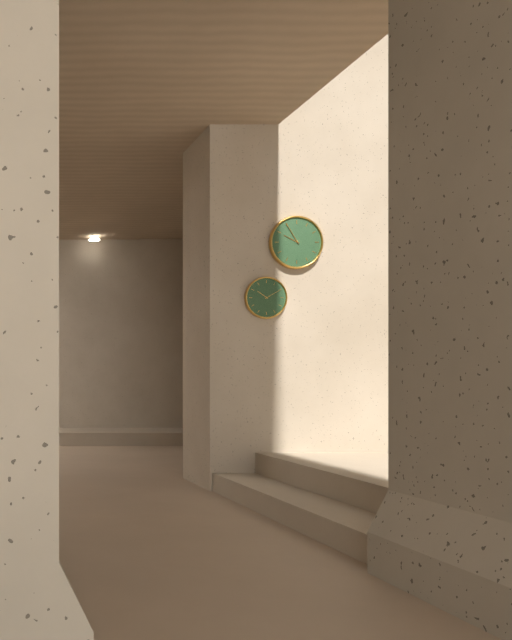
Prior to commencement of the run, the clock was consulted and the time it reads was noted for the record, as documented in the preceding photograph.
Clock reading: 9:55
